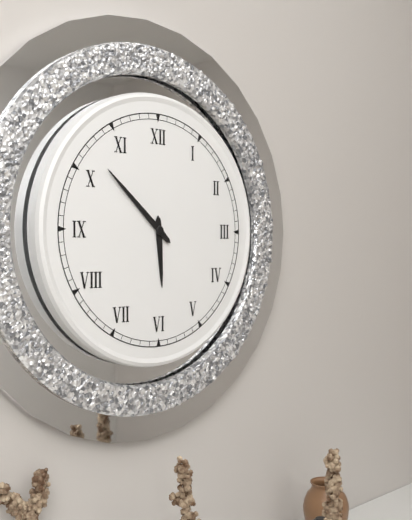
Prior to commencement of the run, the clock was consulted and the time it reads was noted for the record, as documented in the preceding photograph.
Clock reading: 5:52
